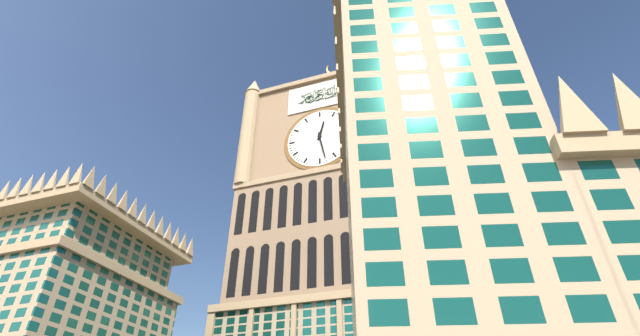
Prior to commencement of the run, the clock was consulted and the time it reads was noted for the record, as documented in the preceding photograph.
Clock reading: 12:28
